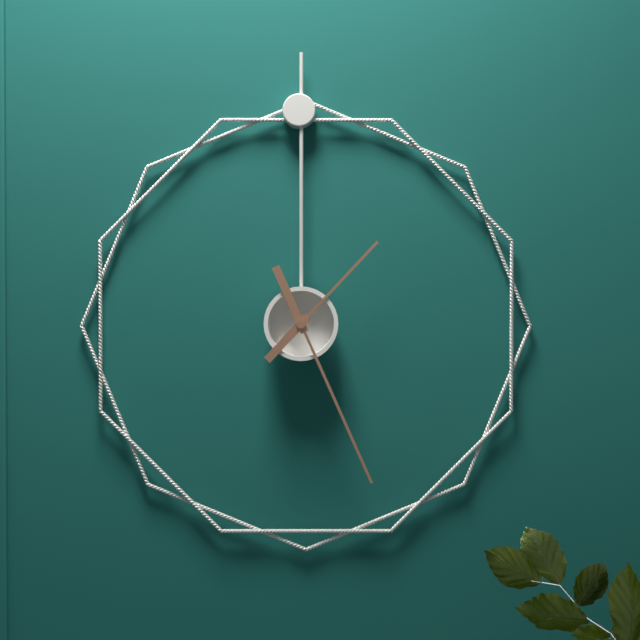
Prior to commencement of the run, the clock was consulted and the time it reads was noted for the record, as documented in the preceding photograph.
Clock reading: 1:26
